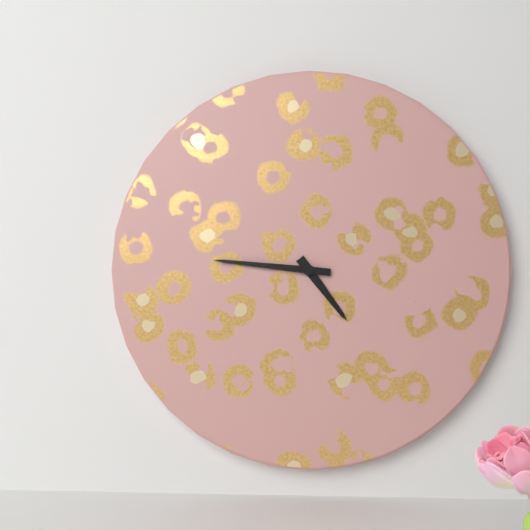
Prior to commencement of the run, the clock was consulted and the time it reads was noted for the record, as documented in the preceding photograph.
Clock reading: 4:46
